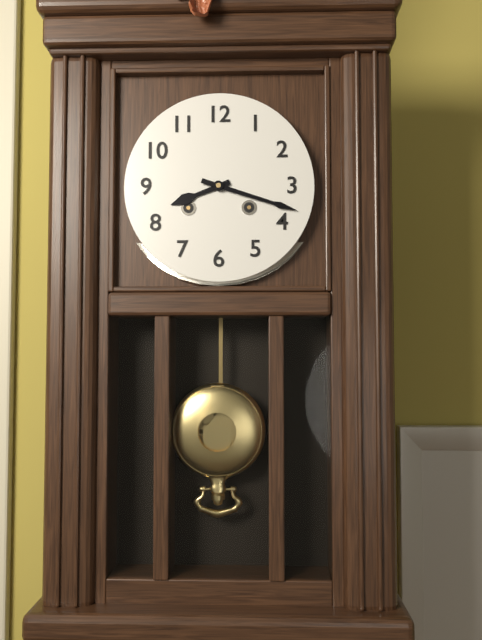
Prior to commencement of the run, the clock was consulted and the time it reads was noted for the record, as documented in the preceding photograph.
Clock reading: 8:18
